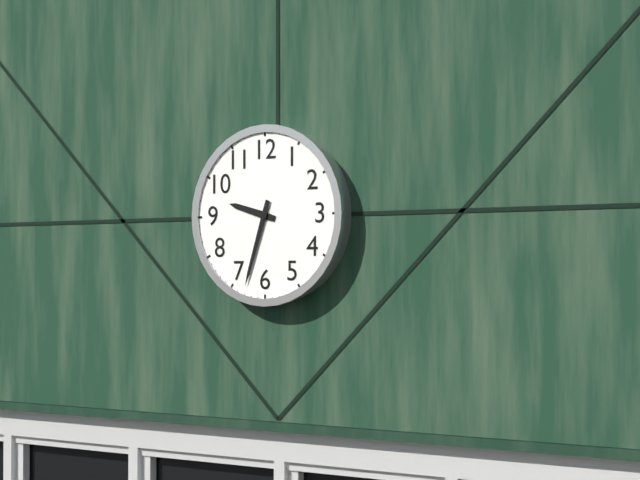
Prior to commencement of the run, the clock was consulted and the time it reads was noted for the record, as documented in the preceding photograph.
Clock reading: 9:33
